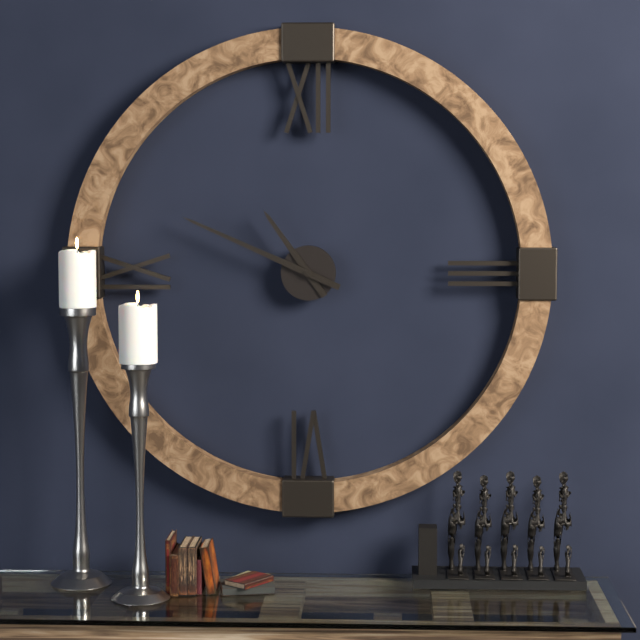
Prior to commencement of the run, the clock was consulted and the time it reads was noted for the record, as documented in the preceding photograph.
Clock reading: 10:49
